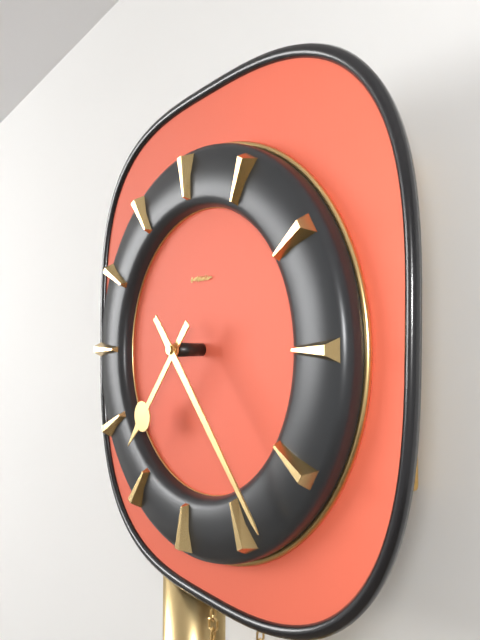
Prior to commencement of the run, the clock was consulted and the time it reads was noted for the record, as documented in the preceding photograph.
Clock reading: 7:23
